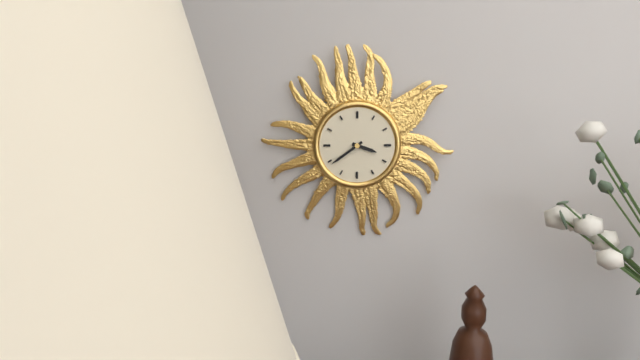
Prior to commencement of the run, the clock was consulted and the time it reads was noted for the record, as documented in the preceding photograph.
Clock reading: 3:39
